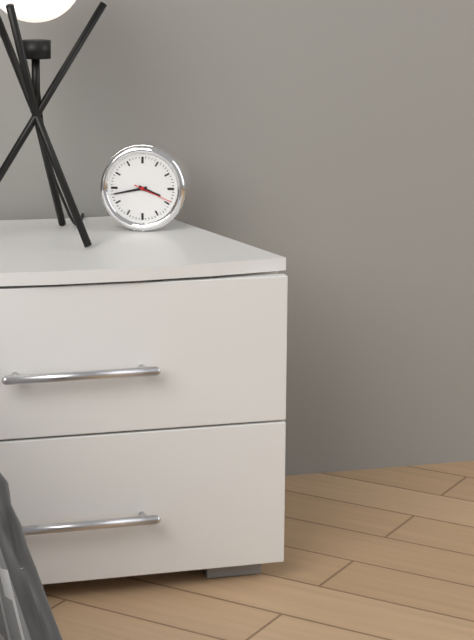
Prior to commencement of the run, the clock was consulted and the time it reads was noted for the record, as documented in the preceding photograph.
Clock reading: 3:43
